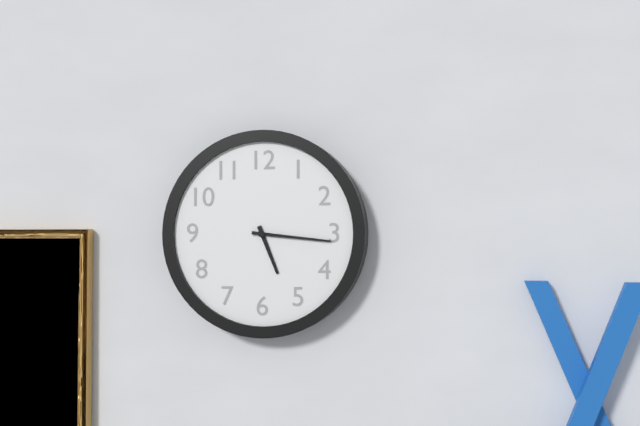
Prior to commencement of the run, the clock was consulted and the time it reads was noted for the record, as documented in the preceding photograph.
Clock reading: 5:16
